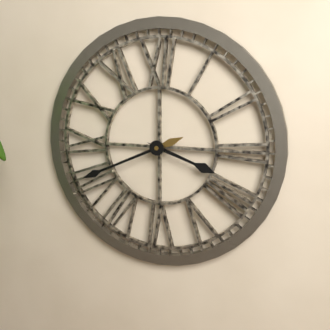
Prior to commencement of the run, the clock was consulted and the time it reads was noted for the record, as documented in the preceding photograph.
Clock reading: 3:41
